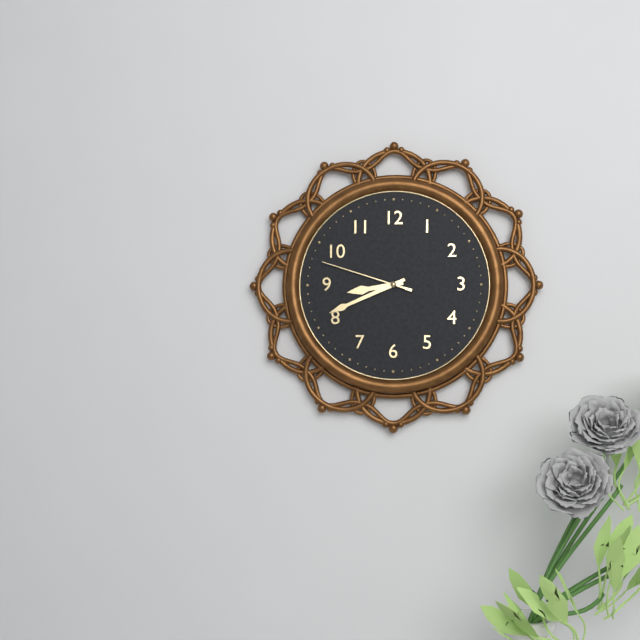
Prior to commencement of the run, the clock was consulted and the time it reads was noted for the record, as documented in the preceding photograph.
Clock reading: 8:41:48
